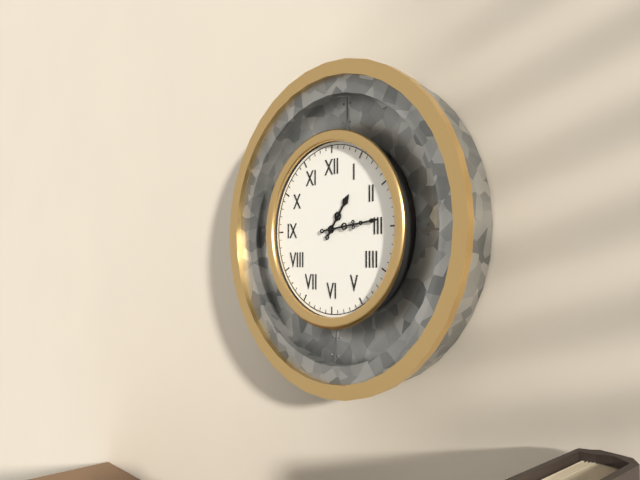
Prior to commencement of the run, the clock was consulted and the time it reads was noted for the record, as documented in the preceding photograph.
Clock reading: 1:14
